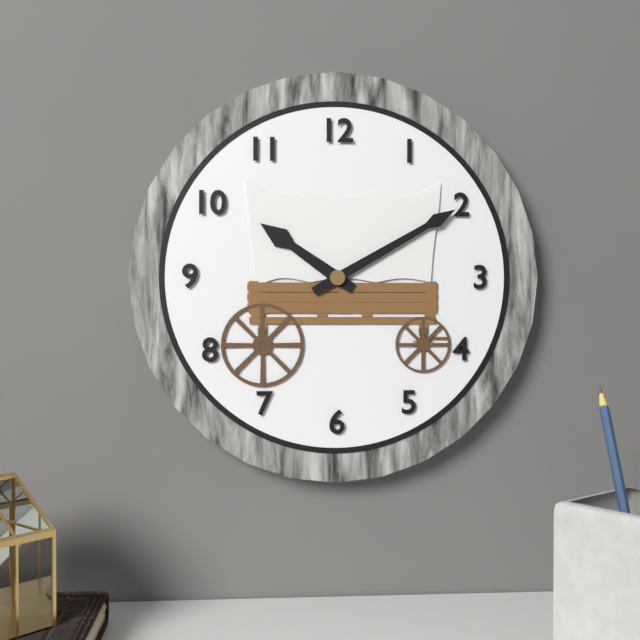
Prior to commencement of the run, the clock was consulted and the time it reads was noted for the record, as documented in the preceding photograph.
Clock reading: 10:10
